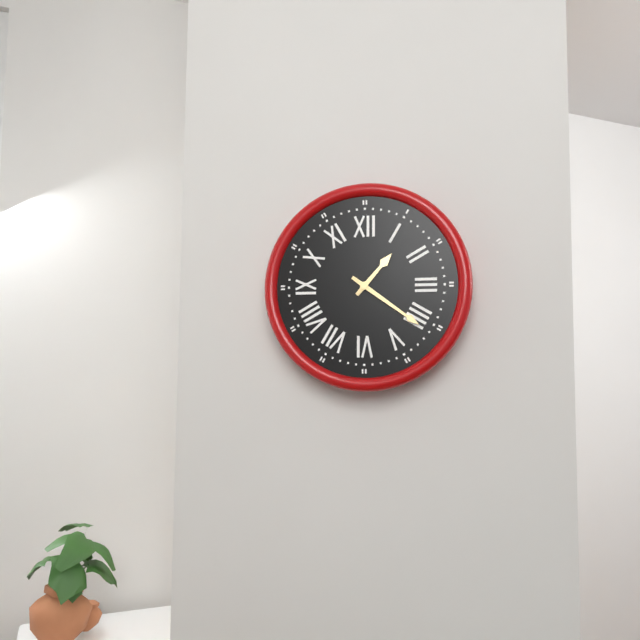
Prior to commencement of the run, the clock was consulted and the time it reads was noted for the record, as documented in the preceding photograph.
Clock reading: 1:21
